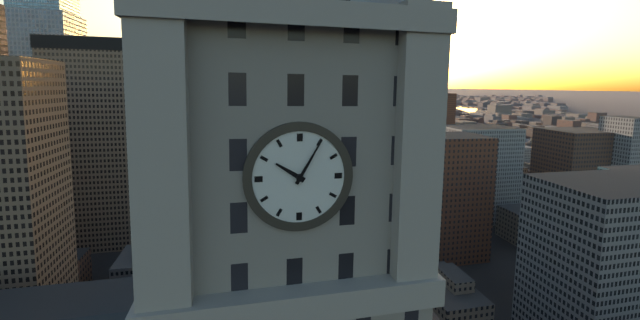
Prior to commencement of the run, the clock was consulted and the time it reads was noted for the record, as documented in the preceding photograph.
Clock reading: 10:05
